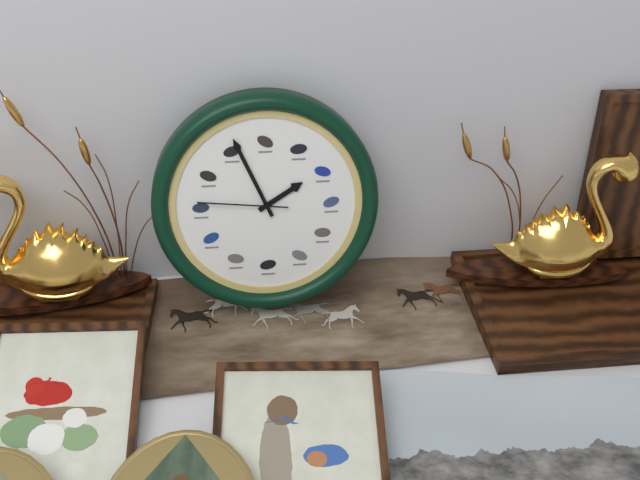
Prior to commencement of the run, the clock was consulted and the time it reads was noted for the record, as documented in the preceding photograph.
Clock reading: 1:56:46
